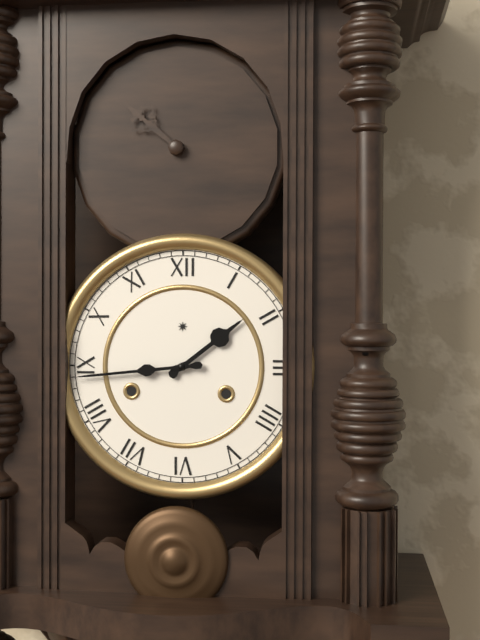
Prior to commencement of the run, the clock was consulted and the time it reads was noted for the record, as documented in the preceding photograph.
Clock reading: 1:44
